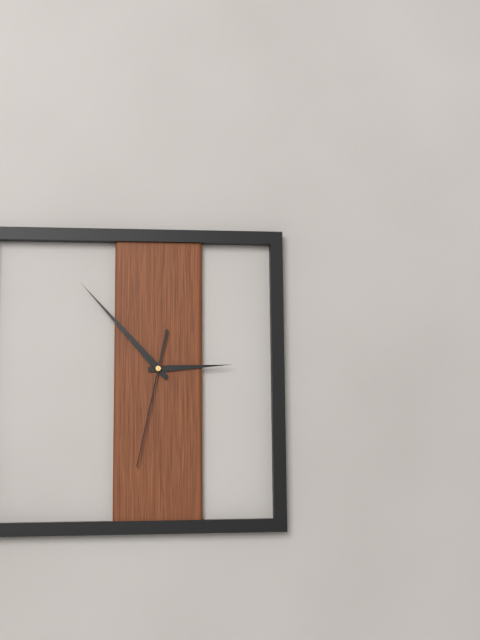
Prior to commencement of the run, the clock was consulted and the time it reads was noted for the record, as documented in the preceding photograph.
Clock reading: 2:53:32
